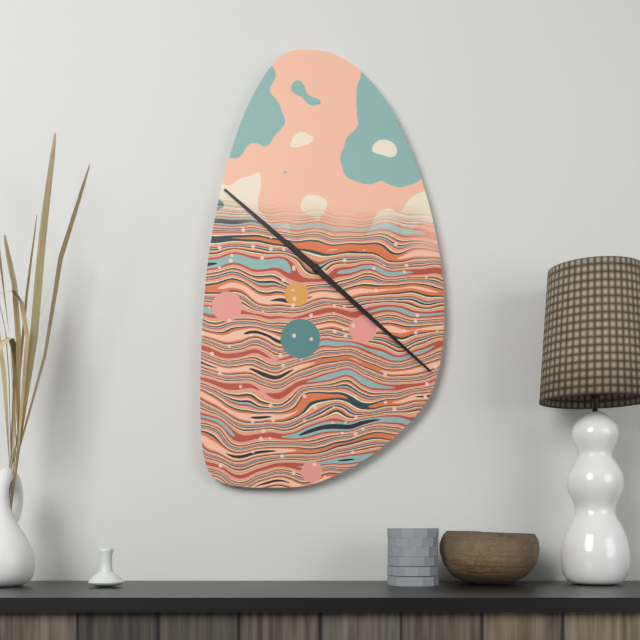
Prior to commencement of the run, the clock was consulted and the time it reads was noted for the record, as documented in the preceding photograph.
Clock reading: 10:22
